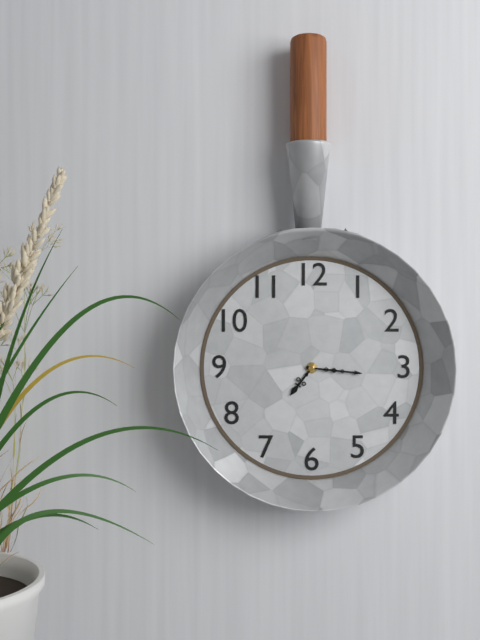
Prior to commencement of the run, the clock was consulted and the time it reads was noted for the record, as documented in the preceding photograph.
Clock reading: 7:16
